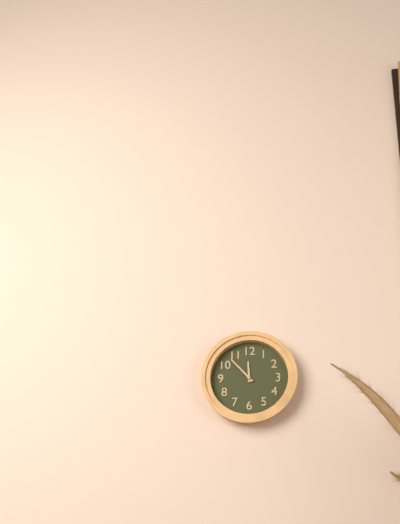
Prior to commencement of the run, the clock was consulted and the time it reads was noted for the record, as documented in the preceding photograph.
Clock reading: 11:53
